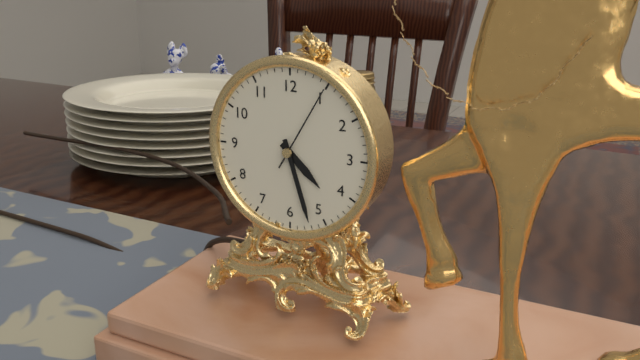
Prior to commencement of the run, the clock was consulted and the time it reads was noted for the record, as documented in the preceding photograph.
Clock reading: 4:27:05
